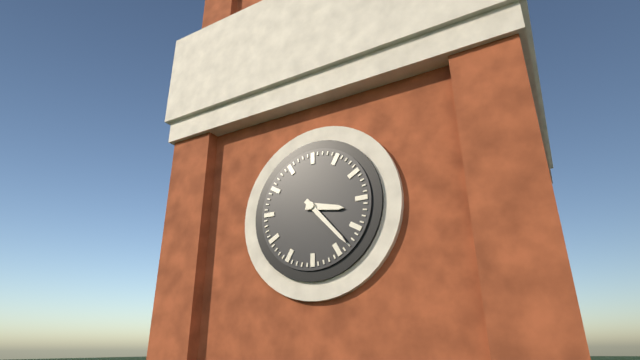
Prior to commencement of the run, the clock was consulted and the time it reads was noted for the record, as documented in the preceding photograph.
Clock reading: 3:23
